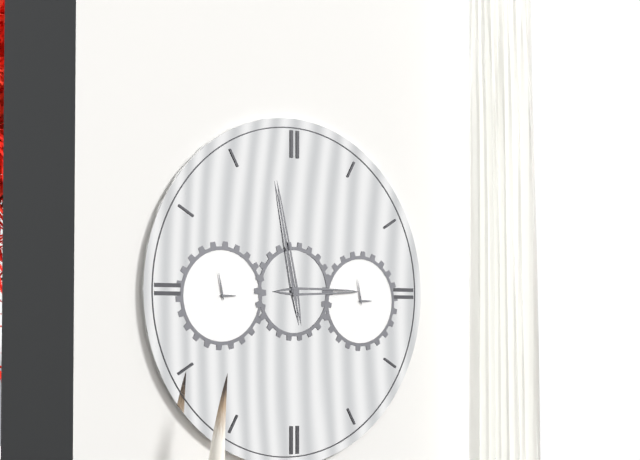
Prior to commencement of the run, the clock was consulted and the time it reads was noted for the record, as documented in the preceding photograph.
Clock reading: 2:58
